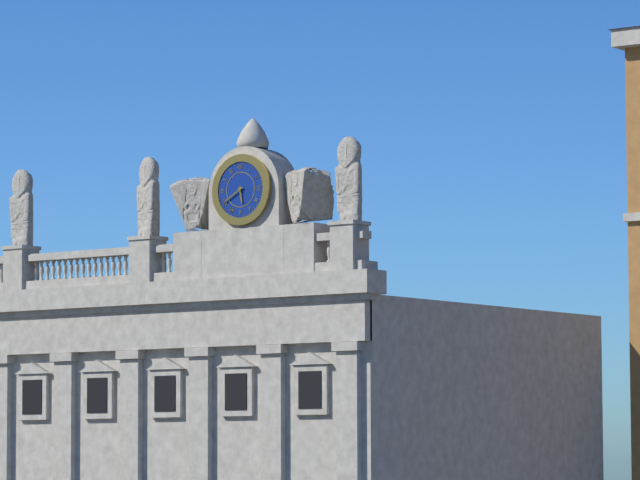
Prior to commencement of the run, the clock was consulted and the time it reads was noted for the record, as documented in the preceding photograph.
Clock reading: 5:40
